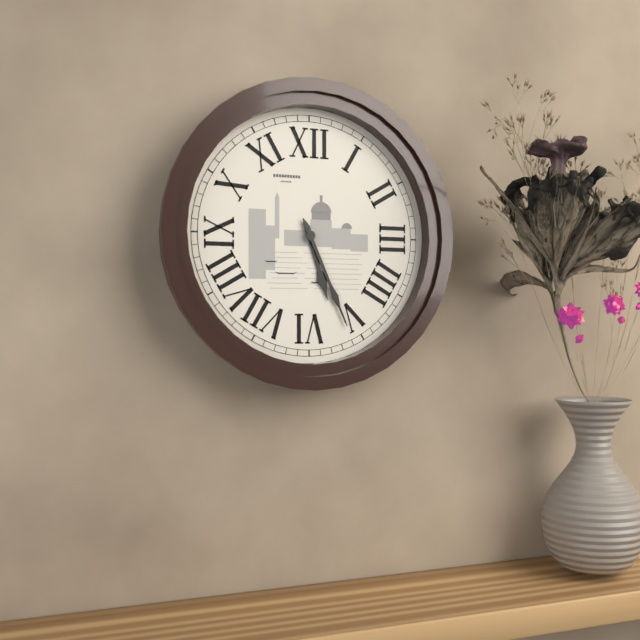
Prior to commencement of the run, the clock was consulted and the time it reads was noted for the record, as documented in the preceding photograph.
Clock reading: 5:26
